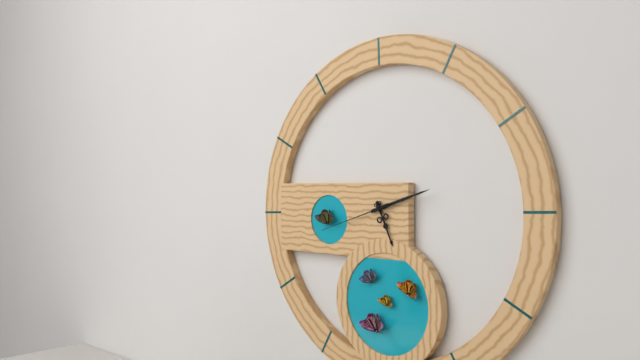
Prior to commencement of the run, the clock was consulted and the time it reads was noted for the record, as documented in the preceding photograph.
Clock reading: 5:12:42
